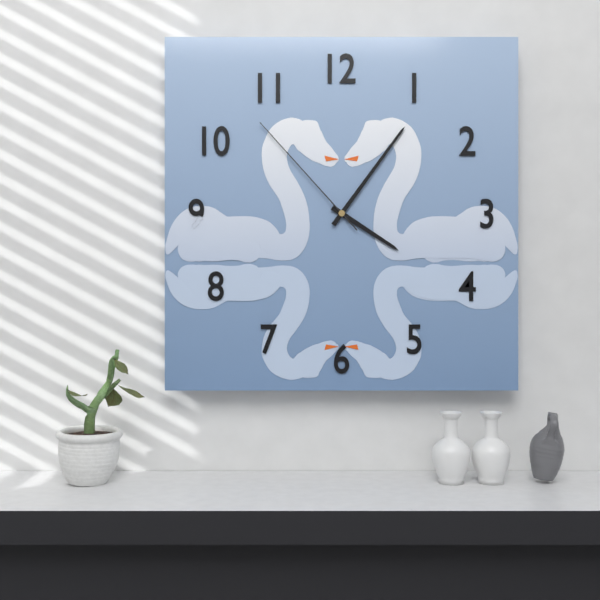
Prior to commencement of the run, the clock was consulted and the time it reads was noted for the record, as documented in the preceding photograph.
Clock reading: 4:06:53
